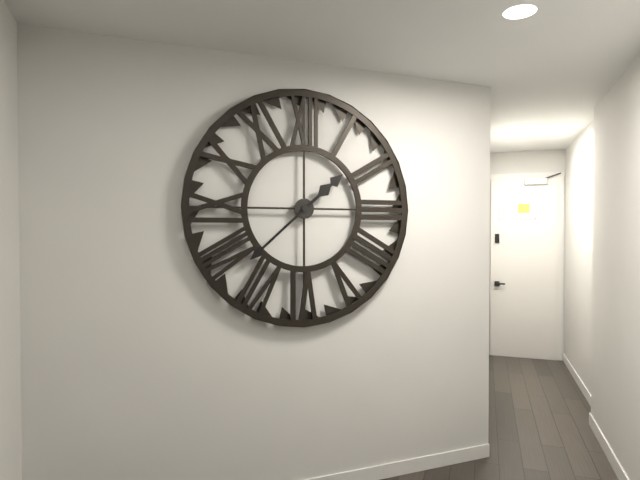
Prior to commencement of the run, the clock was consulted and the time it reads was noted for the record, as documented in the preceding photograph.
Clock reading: 1:38
